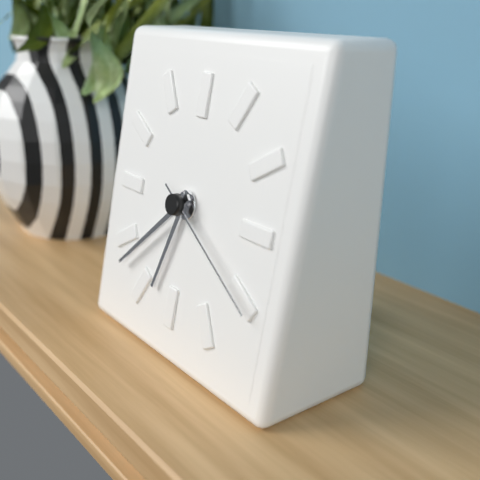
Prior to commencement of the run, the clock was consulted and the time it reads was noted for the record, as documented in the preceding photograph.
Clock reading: 6:38:20
